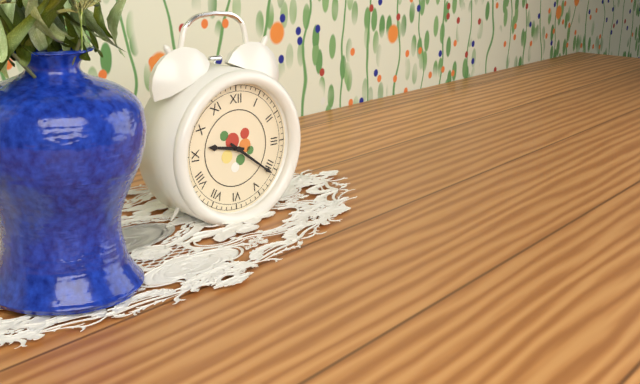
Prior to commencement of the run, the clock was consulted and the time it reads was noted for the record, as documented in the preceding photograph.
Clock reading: 9:21
